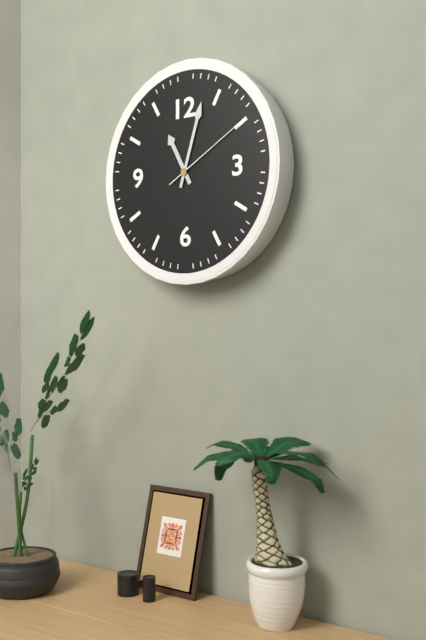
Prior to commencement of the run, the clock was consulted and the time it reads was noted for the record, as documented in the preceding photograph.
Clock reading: 11:03:10
